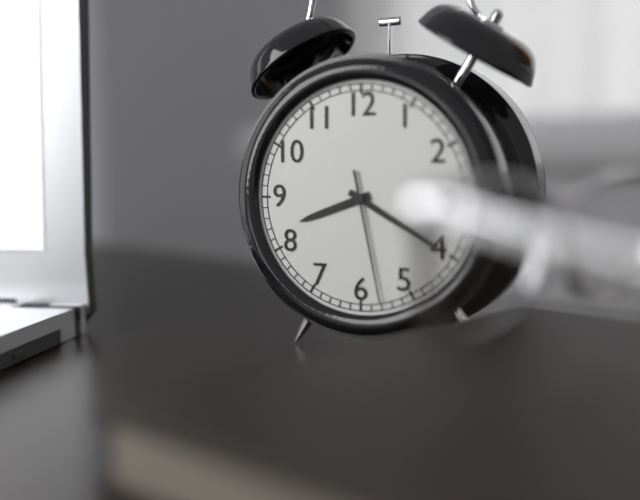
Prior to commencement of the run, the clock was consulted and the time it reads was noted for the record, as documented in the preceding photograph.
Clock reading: 8:20:28
